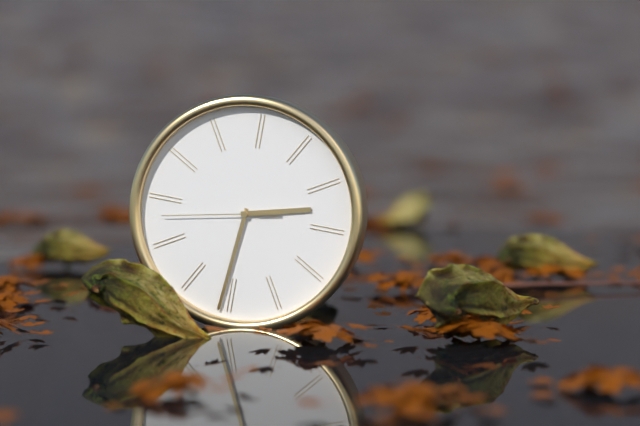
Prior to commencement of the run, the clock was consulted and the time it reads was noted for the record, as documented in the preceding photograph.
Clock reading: 2:31:43
